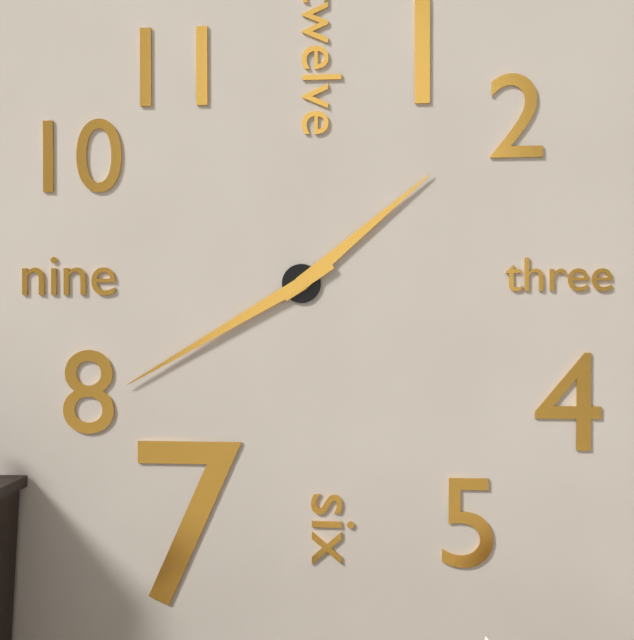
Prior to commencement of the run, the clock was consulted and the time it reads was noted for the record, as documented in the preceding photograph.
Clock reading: 1:40
